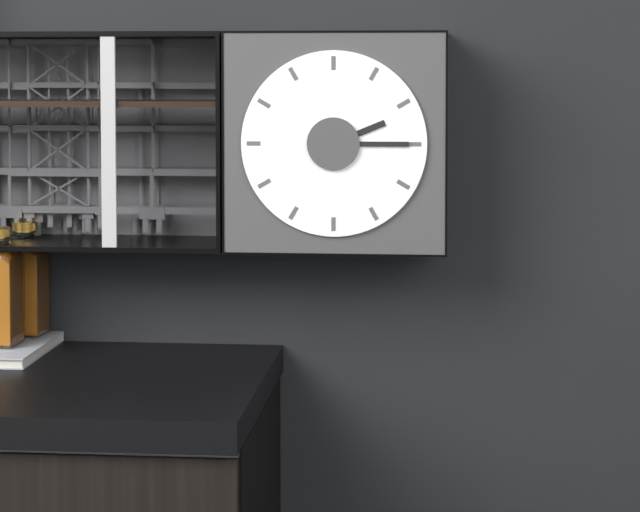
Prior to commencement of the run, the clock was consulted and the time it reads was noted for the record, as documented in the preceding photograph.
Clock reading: 2:15
